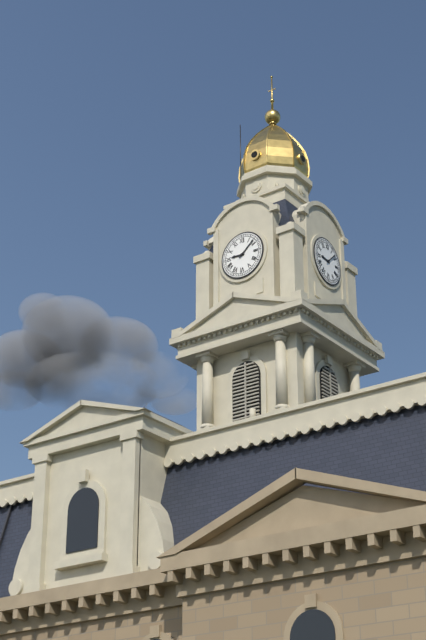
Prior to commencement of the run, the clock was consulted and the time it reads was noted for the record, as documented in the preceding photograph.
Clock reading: 9:08
